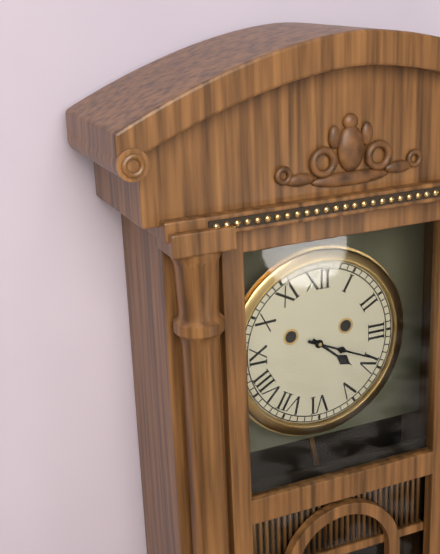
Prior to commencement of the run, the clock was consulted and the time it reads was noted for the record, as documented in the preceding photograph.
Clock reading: 4:19
